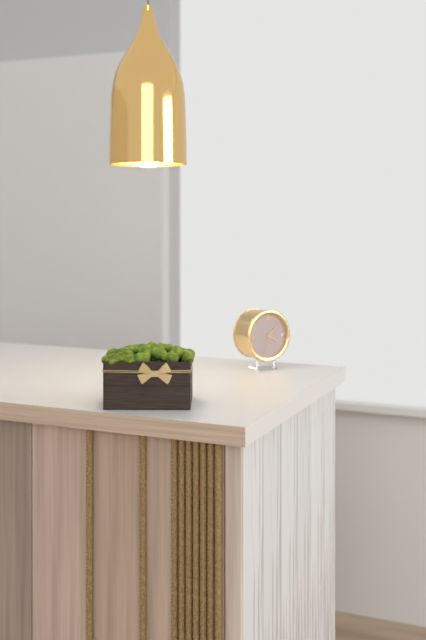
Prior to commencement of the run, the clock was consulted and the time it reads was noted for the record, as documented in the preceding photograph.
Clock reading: 4:08
